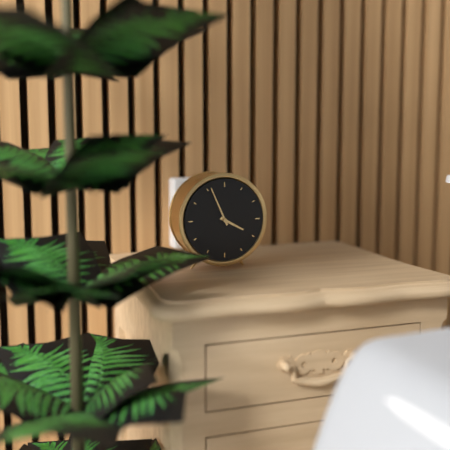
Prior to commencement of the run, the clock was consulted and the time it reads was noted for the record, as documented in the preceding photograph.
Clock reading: 3:56
